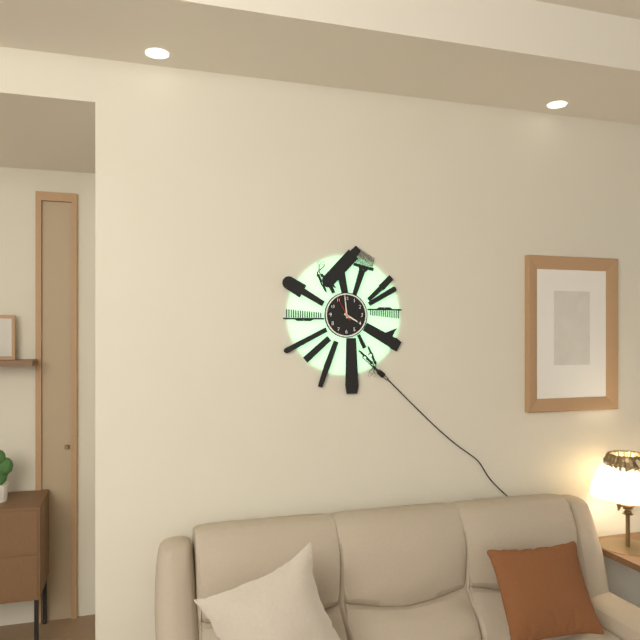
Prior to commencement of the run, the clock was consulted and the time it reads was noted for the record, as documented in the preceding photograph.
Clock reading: 3:59
